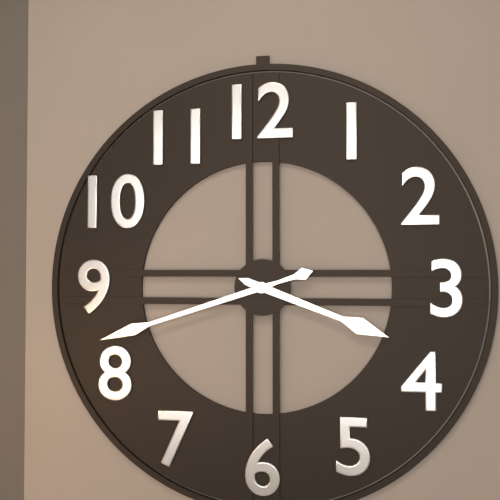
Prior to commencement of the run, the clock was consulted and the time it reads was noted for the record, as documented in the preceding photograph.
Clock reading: 3:42
